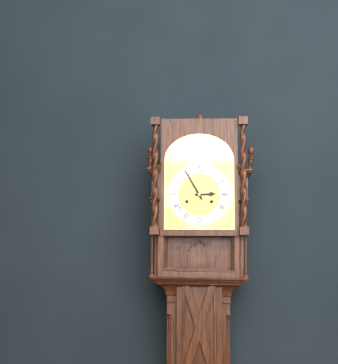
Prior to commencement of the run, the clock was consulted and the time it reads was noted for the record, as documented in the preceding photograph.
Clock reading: 2:55
